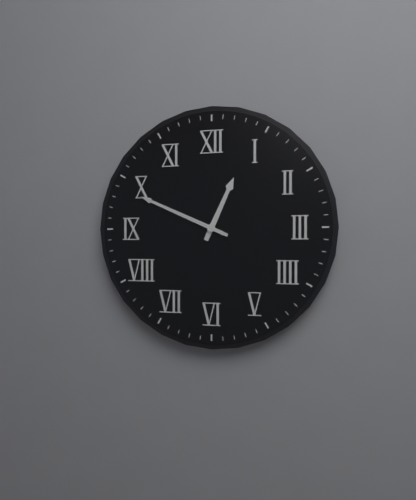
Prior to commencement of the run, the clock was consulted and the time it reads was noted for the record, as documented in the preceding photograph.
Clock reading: 12:49
